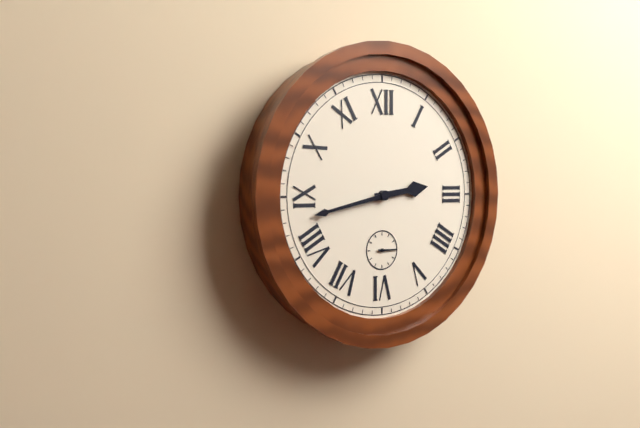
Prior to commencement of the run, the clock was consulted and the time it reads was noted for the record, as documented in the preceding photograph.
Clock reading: 2:43
